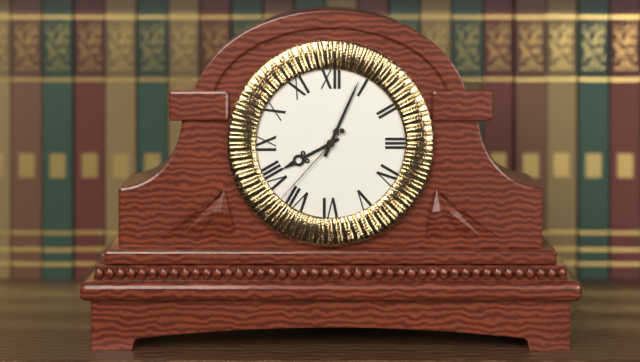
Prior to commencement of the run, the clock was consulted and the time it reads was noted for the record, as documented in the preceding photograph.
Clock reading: 8:04:37
